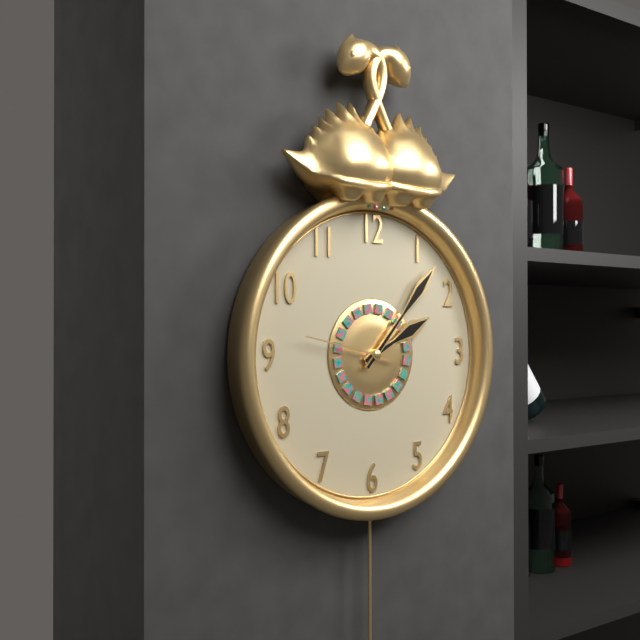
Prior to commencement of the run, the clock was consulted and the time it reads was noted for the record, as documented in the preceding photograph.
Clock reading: 2:07:47
